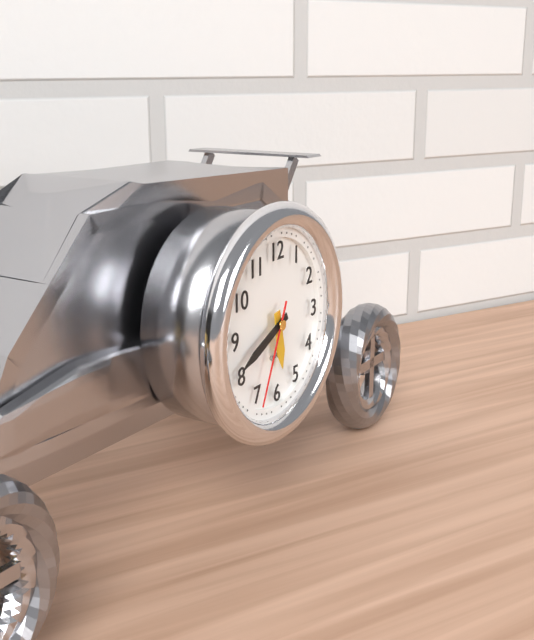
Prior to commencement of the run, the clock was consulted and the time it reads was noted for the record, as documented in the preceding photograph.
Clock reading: 5:41:34
